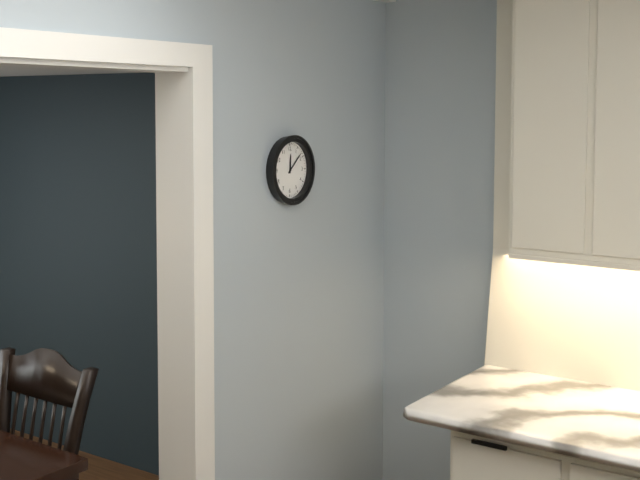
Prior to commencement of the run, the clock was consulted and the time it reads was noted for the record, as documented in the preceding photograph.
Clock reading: 12:08
